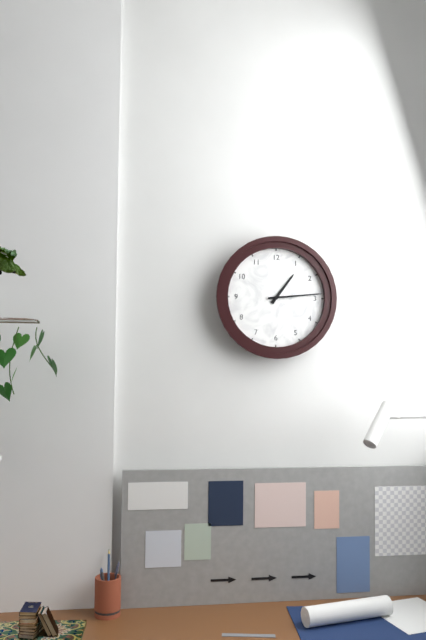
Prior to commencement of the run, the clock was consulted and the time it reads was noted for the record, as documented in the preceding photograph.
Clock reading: 1:14
